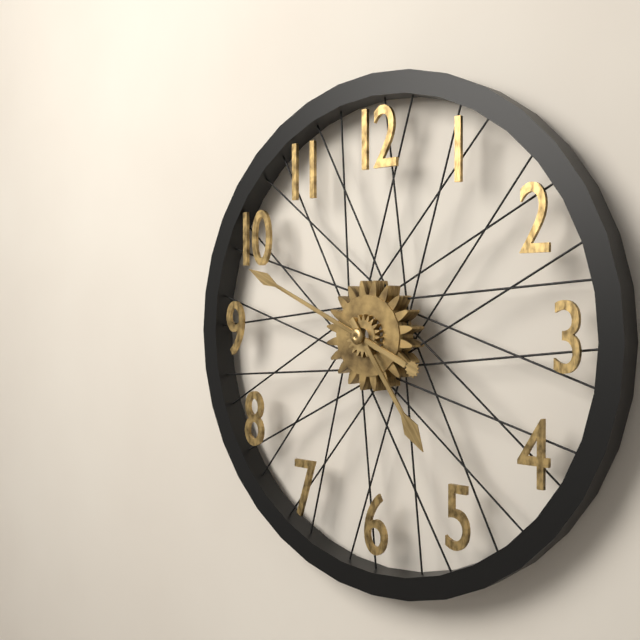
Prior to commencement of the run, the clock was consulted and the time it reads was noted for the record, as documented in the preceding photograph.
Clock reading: 4:49
